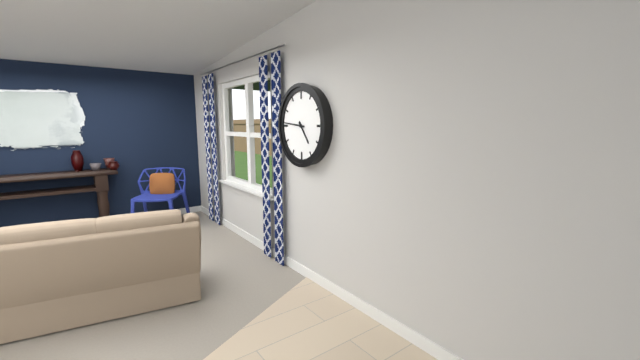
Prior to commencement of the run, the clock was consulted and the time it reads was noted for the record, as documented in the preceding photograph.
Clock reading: 4:46
